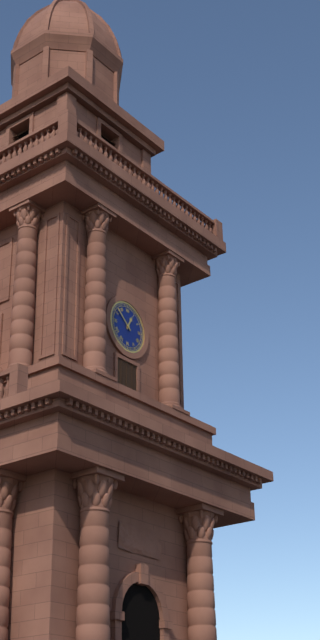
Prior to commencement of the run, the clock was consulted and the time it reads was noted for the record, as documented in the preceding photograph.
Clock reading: 12:52
